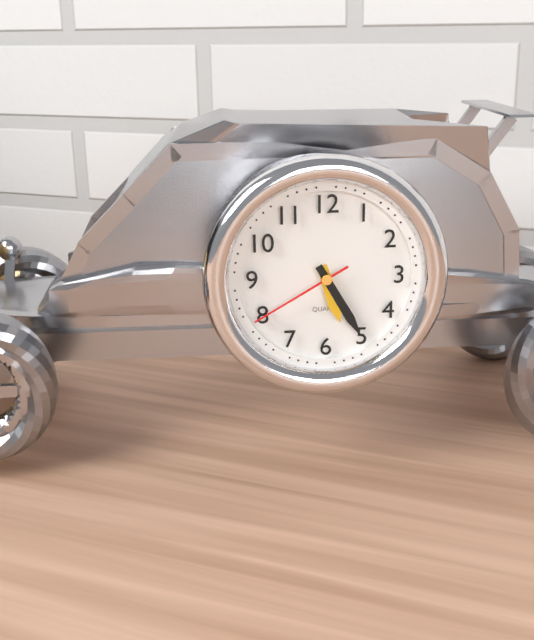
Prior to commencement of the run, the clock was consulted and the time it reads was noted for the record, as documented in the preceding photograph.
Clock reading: 5:25:40
